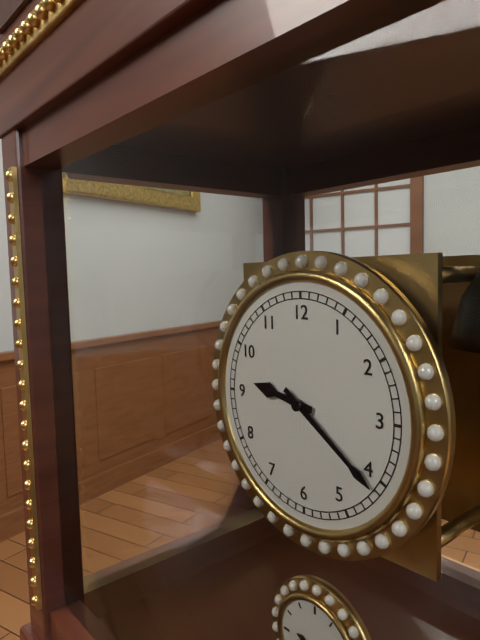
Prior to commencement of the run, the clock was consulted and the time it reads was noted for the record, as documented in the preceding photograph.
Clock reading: 9:21
